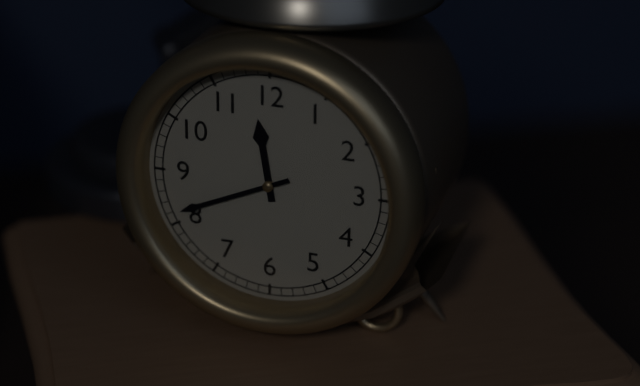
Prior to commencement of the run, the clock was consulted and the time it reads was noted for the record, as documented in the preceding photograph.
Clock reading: 11:41
